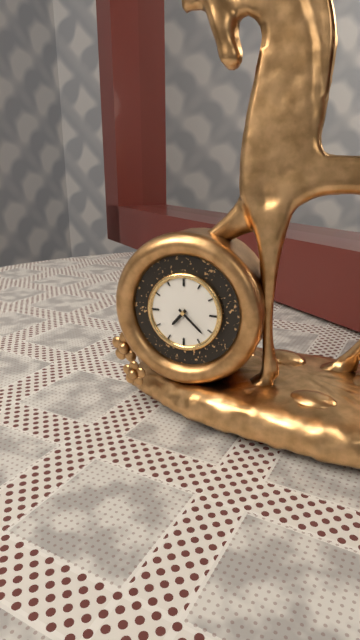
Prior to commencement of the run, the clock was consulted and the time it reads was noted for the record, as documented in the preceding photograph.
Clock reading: 7:22
